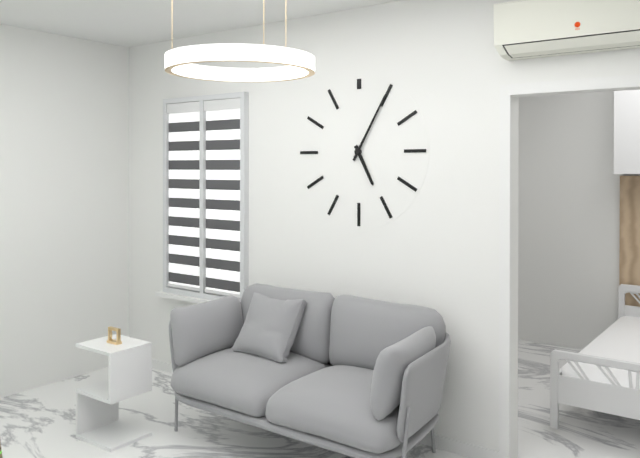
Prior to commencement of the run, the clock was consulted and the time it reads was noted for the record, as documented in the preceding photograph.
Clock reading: 5:05
